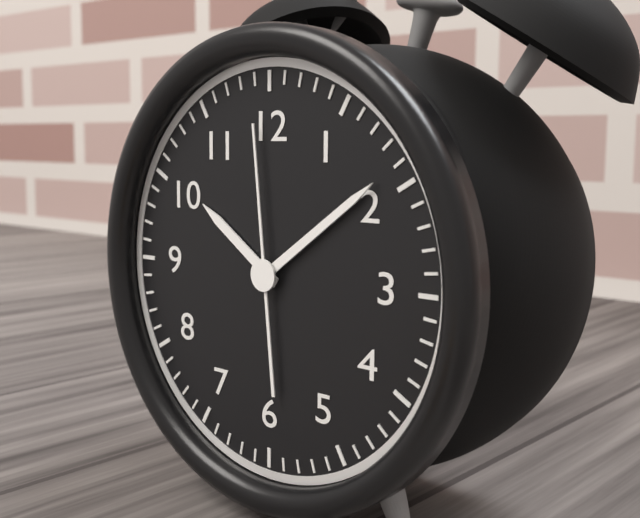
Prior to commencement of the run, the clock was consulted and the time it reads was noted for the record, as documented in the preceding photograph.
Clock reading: 10:09:59
